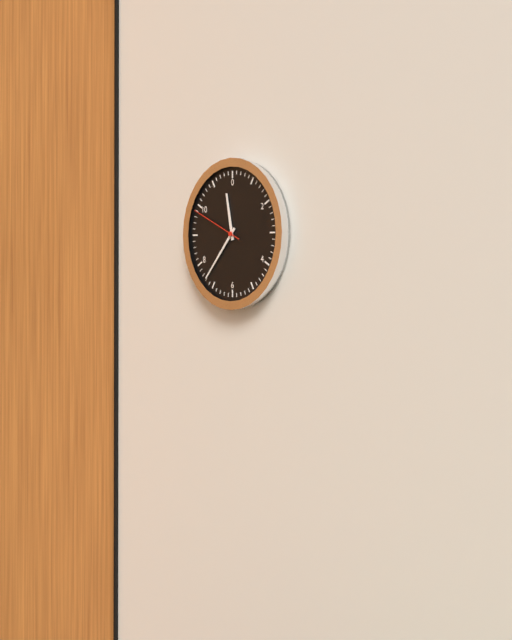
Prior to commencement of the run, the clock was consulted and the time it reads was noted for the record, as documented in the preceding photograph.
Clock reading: 11:37:49
